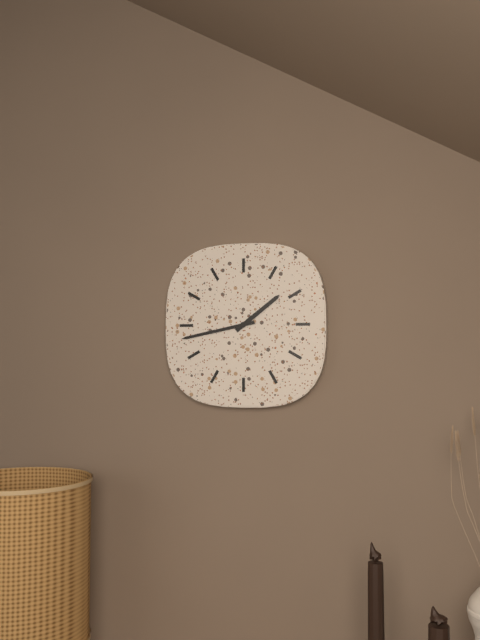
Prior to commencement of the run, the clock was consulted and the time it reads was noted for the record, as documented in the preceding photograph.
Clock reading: 1:43
